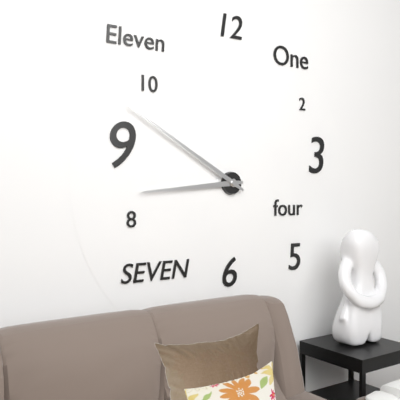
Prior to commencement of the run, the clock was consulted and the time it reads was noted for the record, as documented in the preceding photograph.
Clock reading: 8:50
